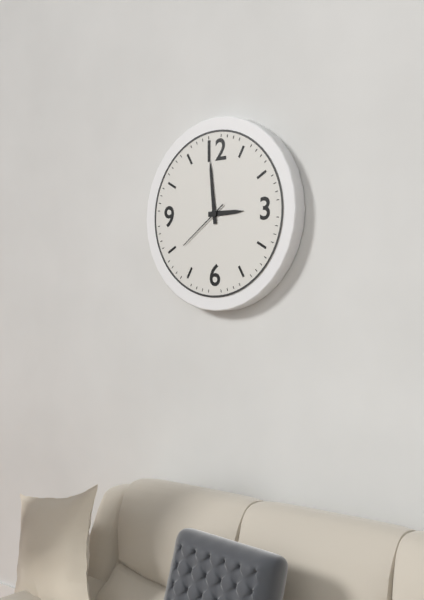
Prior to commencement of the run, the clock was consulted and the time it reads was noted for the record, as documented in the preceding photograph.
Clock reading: 2:59:39
